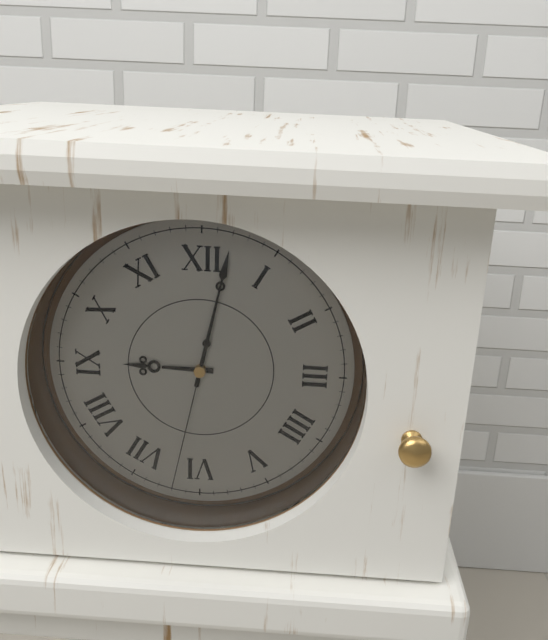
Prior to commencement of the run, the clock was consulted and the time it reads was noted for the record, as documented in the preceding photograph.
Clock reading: 9:02:32
